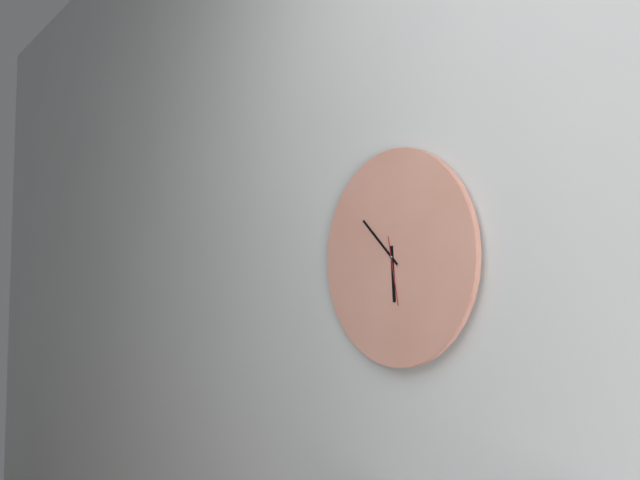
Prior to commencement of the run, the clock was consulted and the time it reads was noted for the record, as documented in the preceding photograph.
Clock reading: 5:52:28
